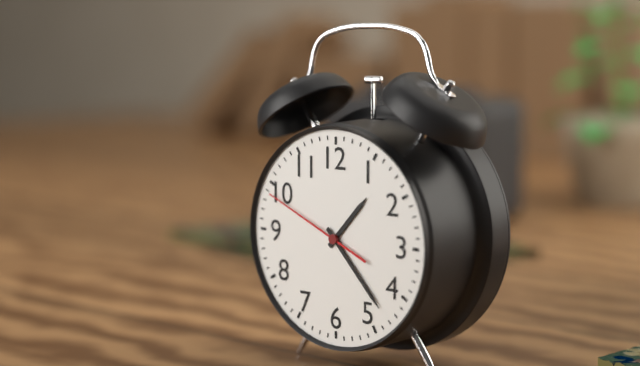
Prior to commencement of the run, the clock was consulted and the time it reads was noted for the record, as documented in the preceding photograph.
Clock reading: 1:23:49
